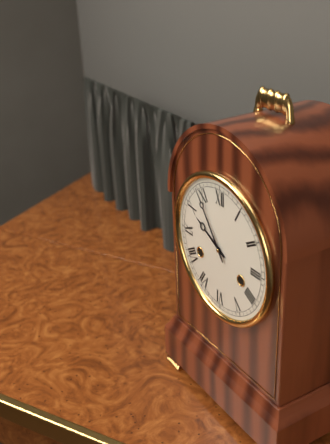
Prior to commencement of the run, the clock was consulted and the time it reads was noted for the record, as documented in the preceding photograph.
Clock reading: 9:54
